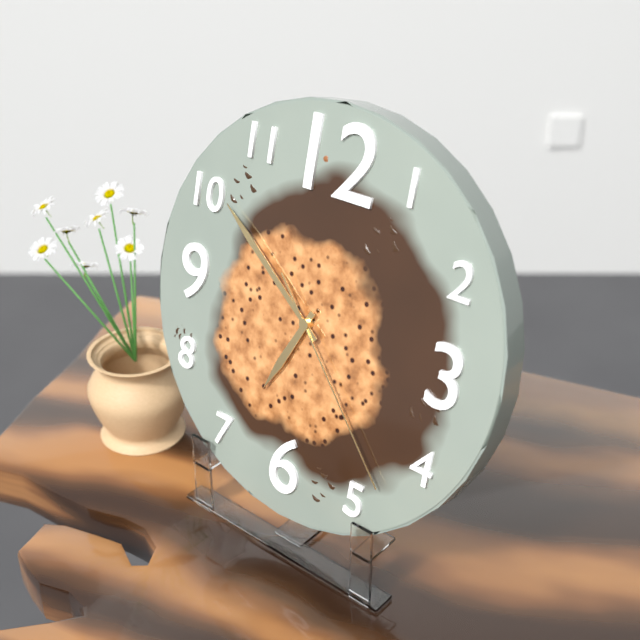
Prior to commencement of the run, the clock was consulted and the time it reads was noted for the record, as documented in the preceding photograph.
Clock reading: 6:51:23
